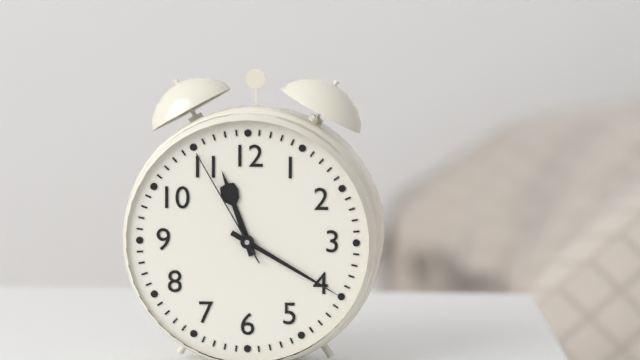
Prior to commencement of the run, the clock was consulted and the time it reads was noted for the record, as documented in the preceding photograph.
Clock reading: 11:20:55
